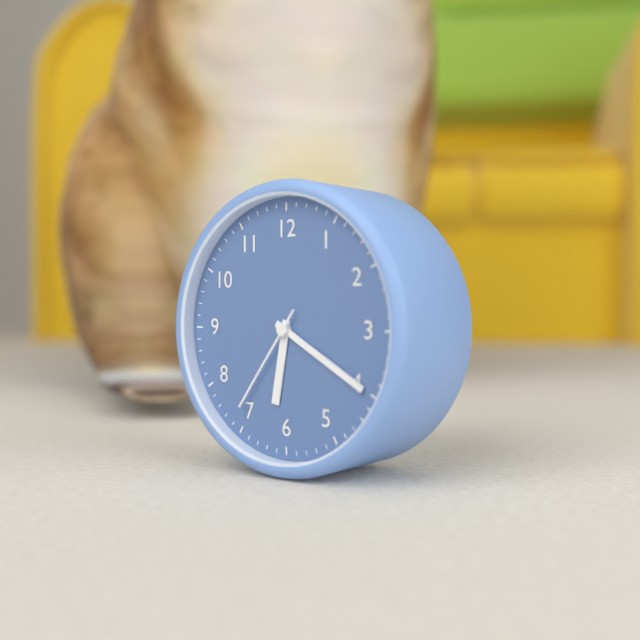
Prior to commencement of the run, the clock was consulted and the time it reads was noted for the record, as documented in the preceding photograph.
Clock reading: 6:20:36
